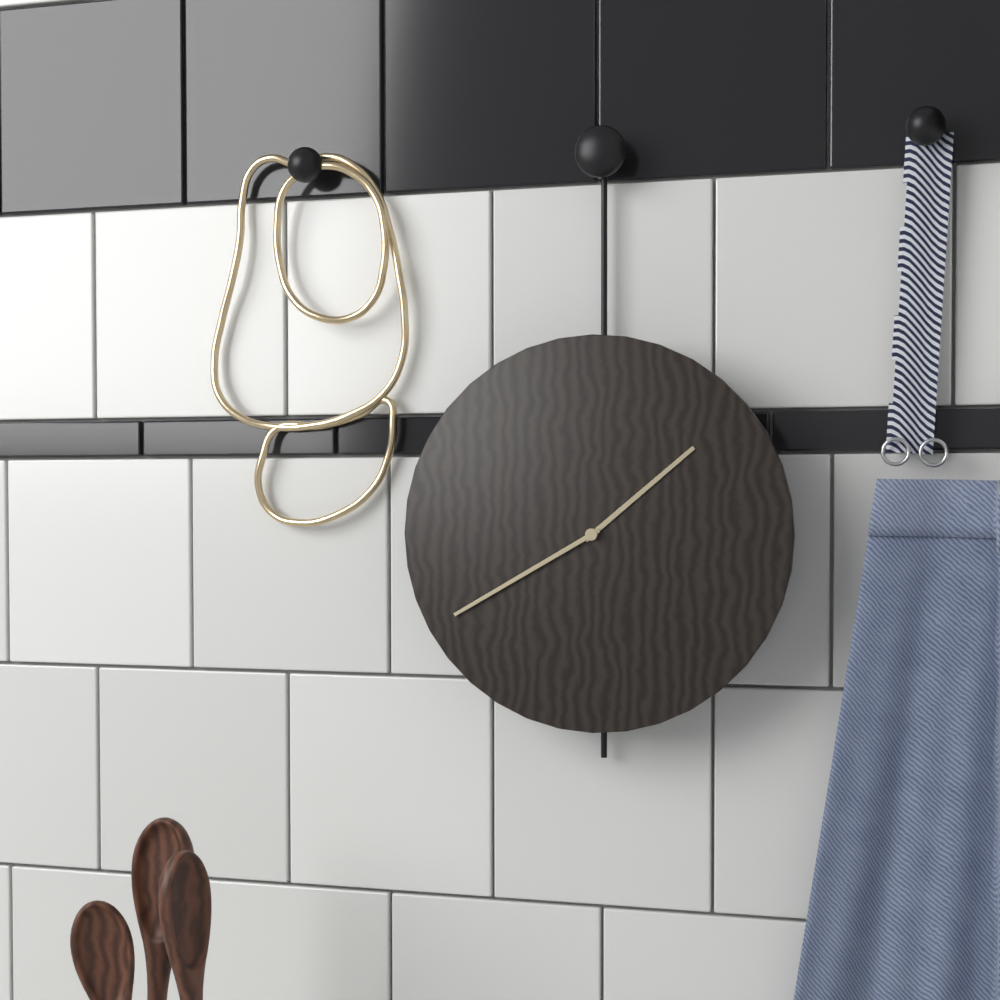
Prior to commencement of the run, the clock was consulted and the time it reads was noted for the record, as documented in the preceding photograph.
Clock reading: 1:40
